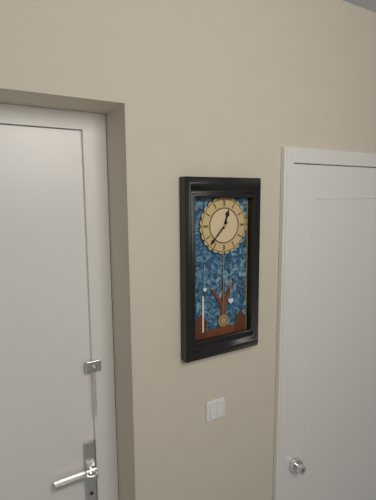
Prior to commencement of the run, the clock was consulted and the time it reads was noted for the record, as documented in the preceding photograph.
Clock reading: 12:37
